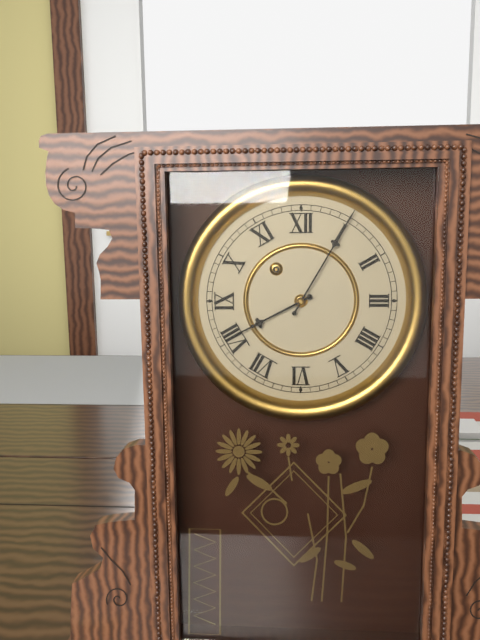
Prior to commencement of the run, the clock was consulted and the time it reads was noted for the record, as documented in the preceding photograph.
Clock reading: 8:05
